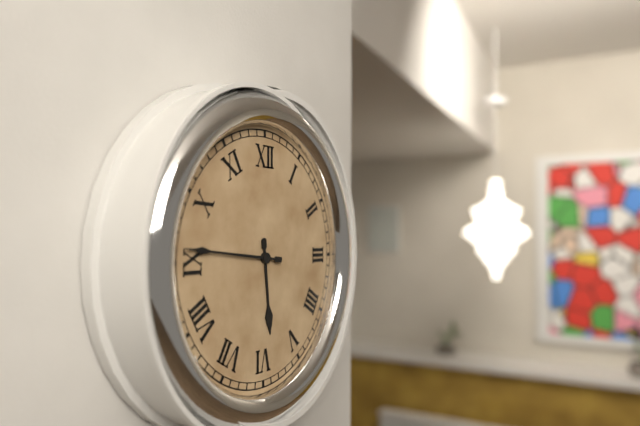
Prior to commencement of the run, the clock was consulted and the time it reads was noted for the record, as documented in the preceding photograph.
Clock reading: 5:46
